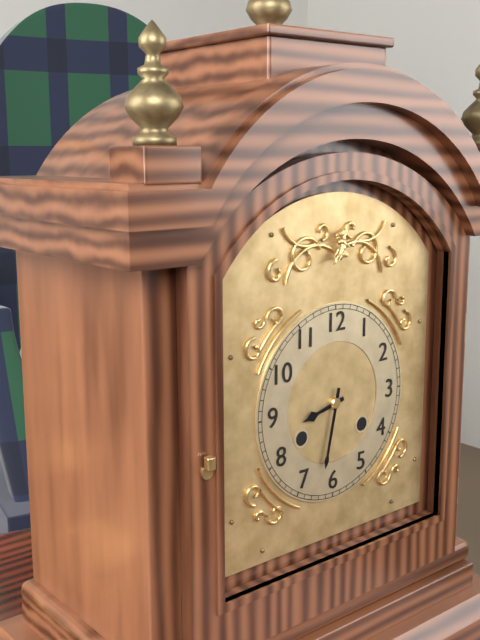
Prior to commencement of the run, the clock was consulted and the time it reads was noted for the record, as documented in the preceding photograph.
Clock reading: 8:32
